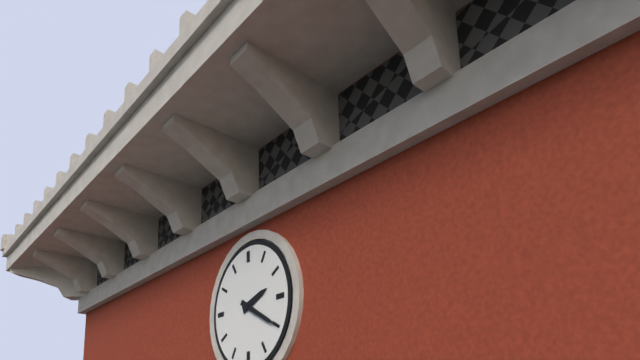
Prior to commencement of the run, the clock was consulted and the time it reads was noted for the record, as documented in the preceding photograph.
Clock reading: 2:20
